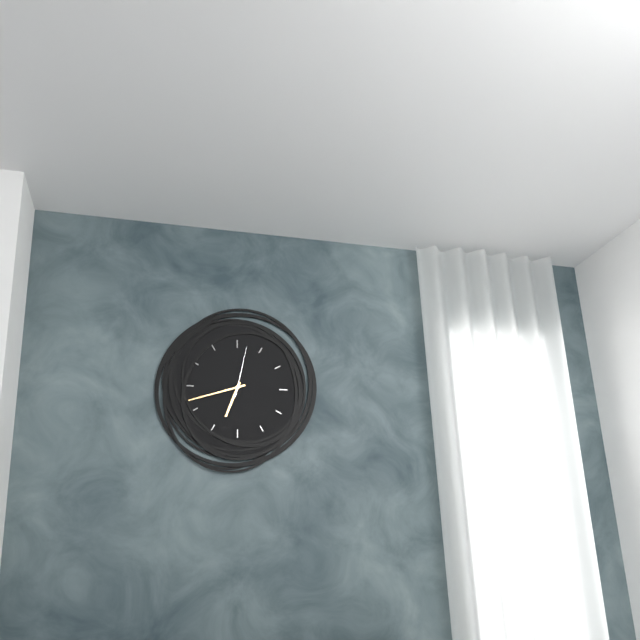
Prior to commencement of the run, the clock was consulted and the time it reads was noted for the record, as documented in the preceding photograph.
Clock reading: 6:42:02
